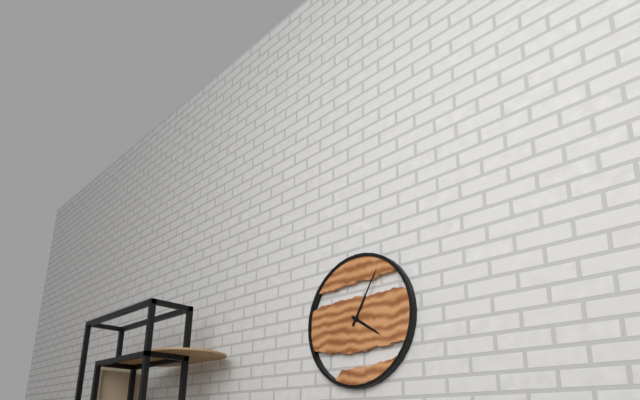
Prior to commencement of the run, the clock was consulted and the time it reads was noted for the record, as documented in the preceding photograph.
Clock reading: 4:05
